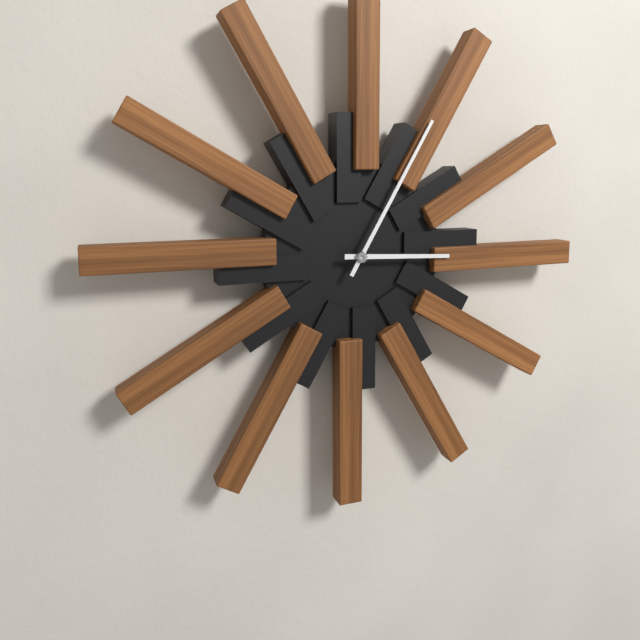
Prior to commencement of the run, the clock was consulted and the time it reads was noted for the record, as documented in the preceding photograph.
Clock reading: 3:05
